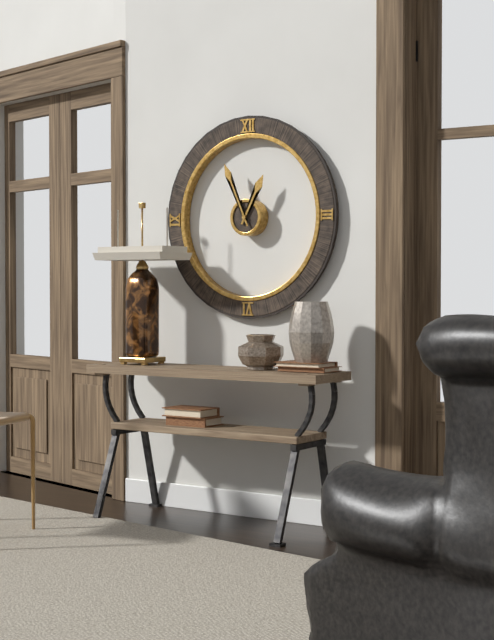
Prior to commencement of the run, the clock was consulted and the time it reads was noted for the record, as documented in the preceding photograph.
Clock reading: 12:56
